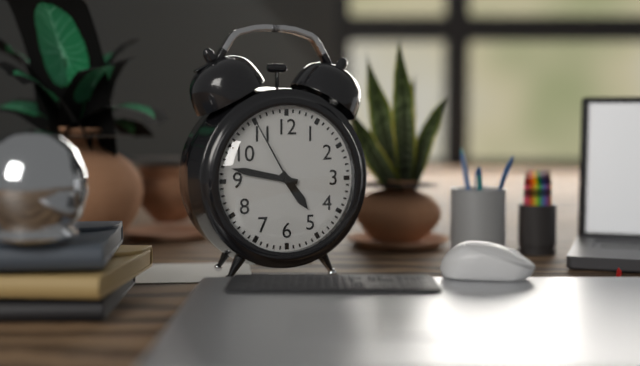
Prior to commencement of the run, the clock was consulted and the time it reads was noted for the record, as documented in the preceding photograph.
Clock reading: 4:47:55
